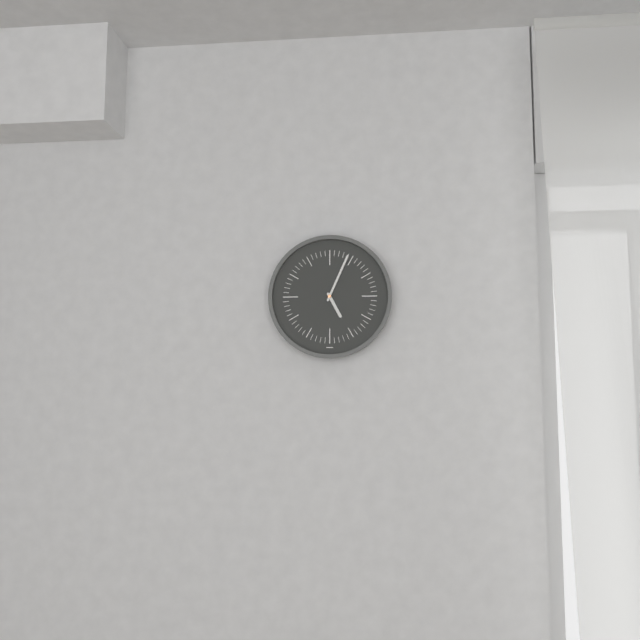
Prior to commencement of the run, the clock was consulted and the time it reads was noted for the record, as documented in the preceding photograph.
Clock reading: 5:04
